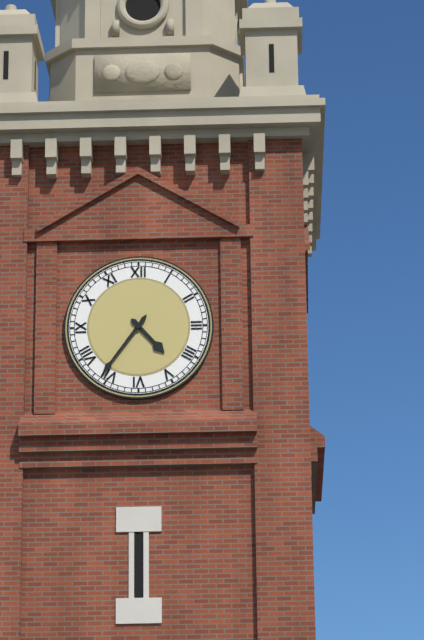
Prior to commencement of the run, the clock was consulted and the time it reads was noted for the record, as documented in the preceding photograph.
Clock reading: 4:36
